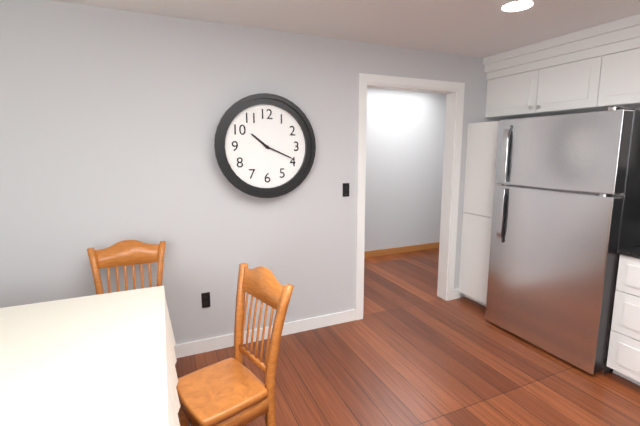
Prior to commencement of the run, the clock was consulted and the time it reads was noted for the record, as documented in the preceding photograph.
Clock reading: 10:19
